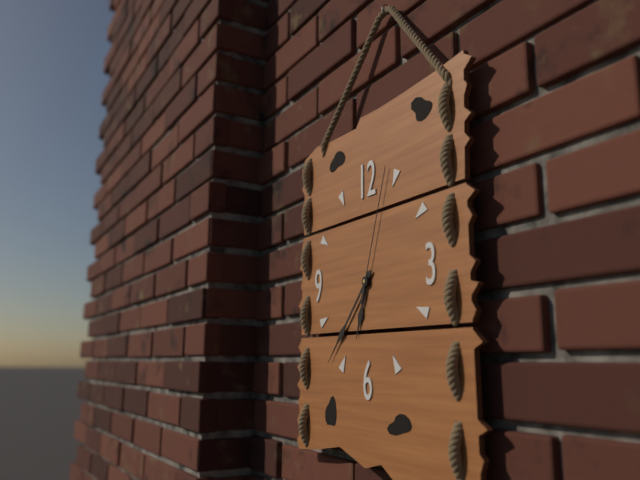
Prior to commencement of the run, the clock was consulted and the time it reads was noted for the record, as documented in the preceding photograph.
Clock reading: 6:37:03
